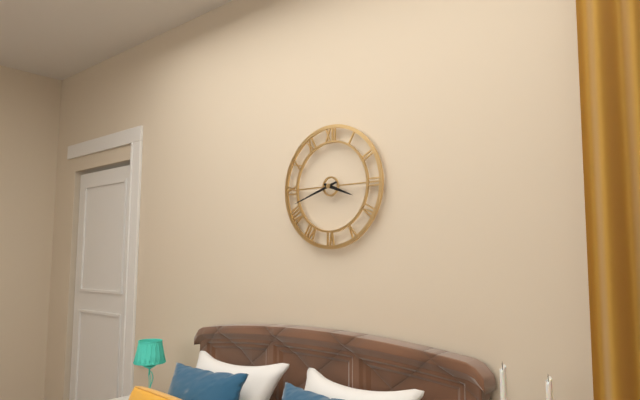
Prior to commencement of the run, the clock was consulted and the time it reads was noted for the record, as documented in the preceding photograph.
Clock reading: 3:42
